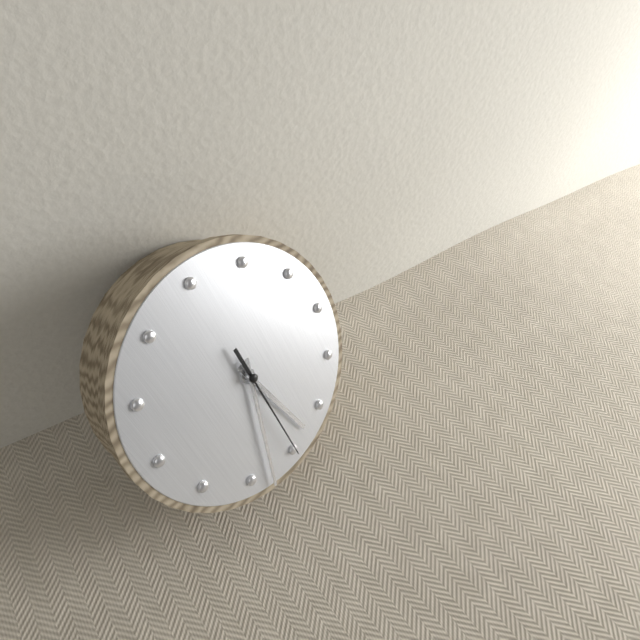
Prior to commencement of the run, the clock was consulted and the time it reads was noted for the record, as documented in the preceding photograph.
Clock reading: 5:33:30
